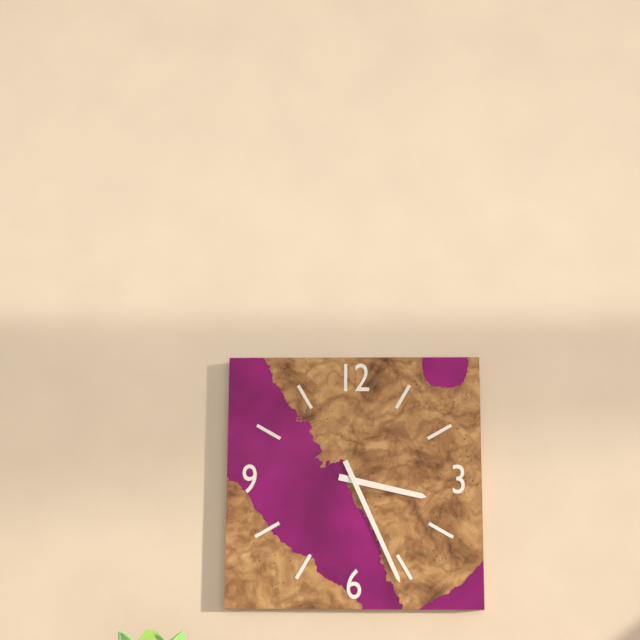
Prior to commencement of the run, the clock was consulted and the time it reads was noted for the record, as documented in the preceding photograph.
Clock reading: 3:26
